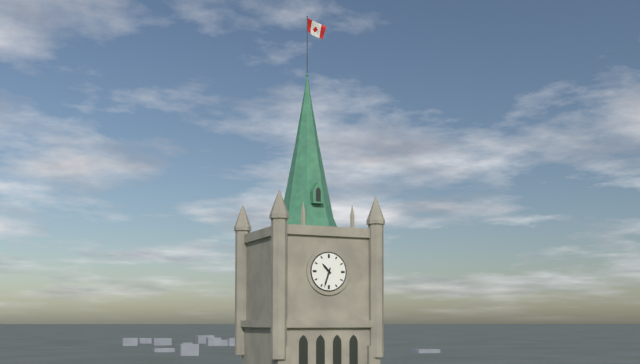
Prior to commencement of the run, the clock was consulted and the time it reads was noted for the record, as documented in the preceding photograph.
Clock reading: 10:33
